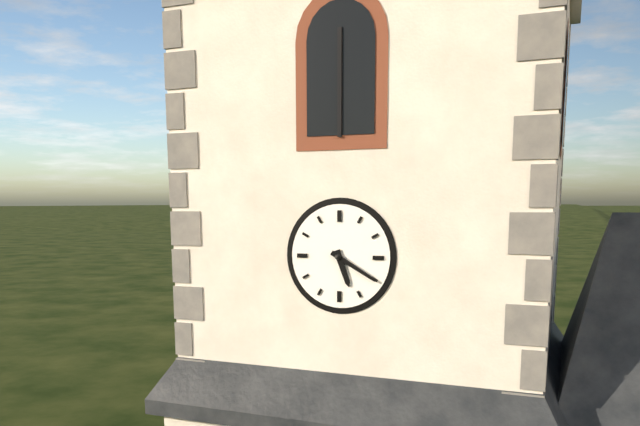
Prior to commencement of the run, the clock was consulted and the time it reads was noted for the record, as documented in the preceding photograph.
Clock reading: 5:20
